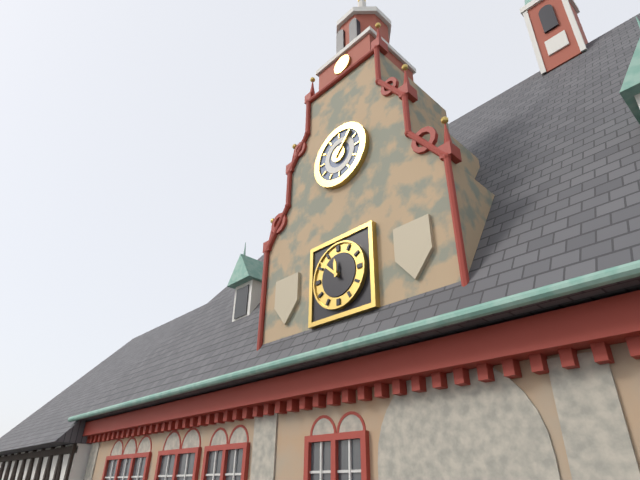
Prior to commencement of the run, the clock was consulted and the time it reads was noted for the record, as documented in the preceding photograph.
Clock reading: 11:52
